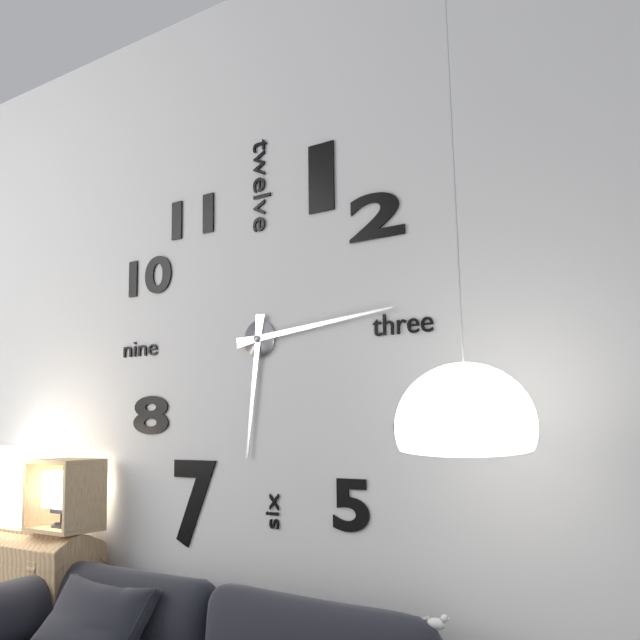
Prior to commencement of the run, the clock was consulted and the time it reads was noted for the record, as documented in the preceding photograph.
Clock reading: 6:14
